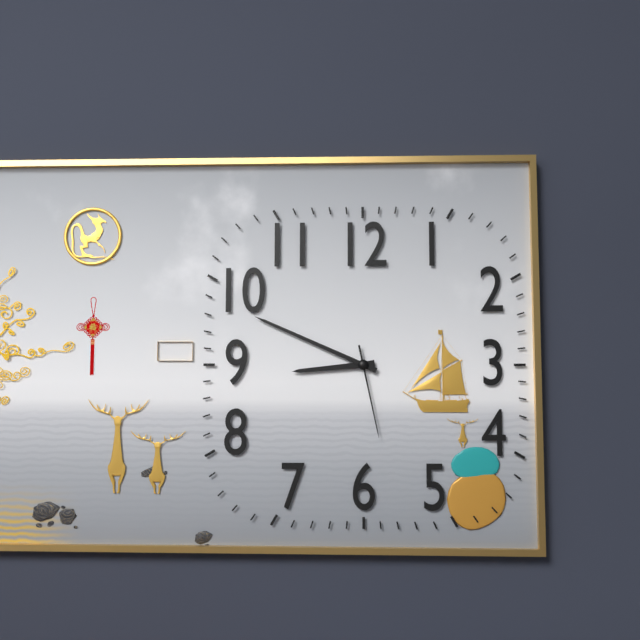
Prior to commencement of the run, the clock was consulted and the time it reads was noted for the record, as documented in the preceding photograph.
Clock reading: 8:49:28
